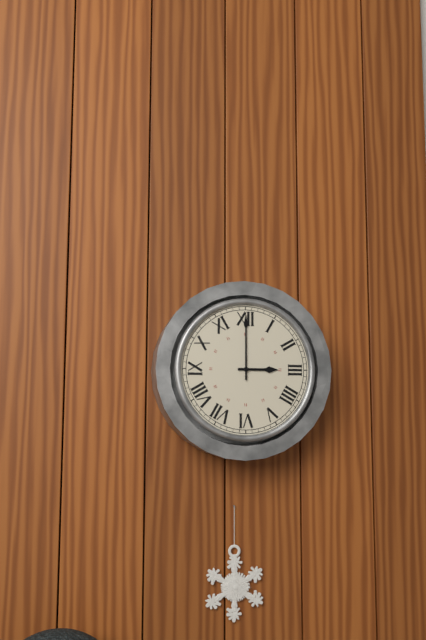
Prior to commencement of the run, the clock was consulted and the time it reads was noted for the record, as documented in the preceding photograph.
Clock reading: 3:00
